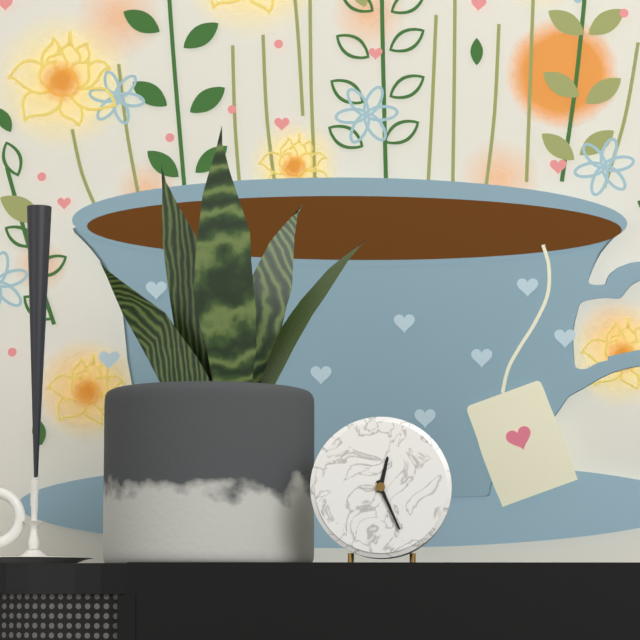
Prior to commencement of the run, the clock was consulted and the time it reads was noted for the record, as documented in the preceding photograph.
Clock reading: 12:26
